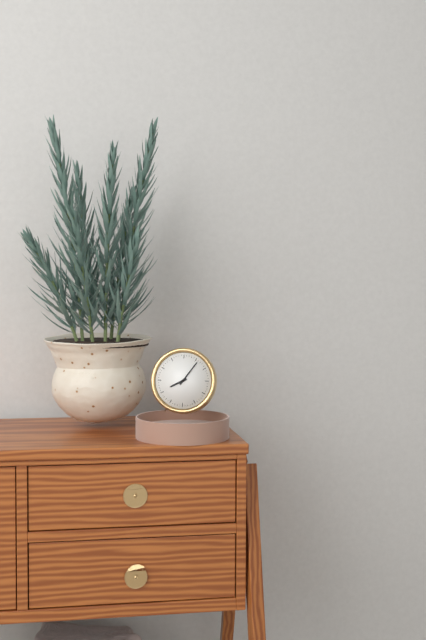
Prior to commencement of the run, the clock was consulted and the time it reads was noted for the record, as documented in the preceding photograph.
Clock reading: 8:06
